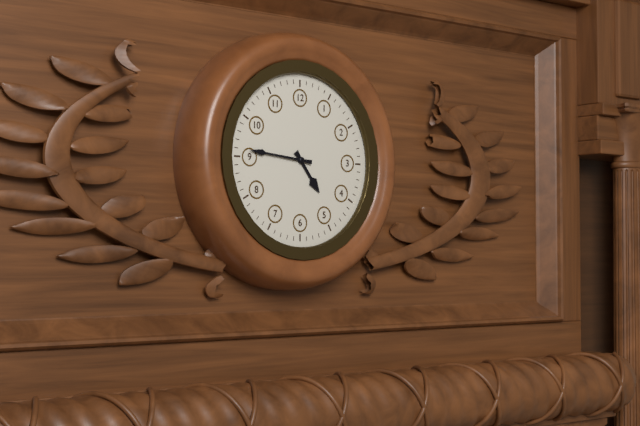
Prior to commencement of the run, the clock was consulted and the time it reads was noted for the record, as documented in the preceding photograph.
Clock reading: 4:46
